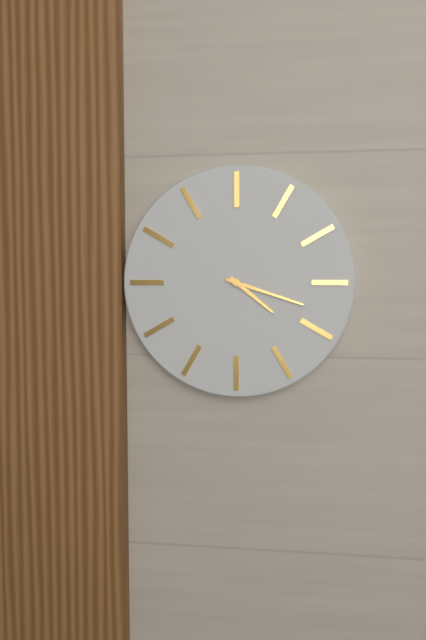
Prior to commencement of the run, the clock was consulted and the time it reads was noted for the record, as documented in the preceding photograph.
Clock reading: 4:18
